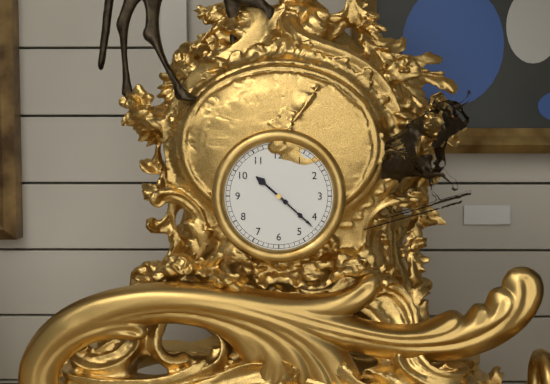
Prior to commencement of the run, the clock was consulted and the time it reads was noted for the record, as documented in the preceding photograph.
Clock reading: 10:22
